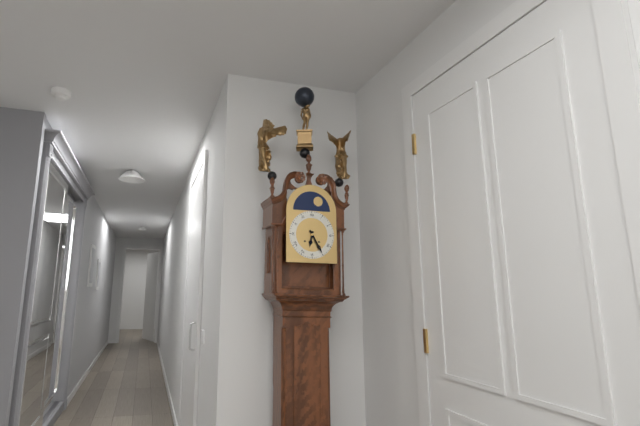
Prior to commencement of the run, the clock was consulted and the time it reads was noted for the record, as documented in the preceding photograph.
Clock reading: 6:25
